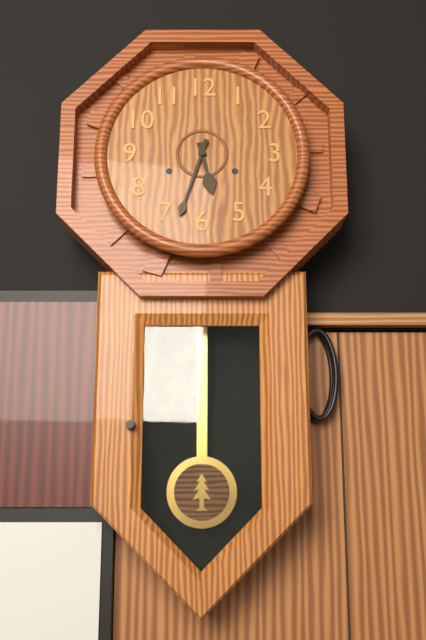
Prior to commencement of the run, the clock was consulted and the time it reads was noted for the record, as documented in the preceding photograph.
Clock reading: 5:33
